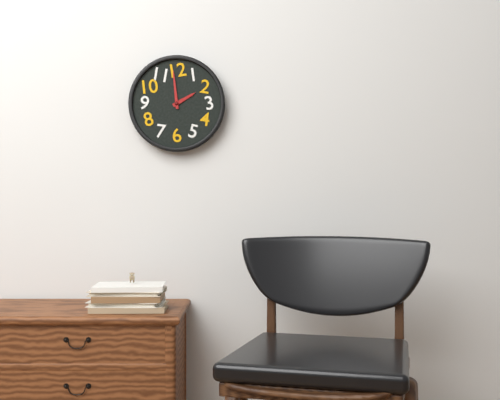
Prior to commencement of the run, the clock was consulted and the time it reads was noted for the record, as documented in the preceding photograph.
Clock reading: 1:59
